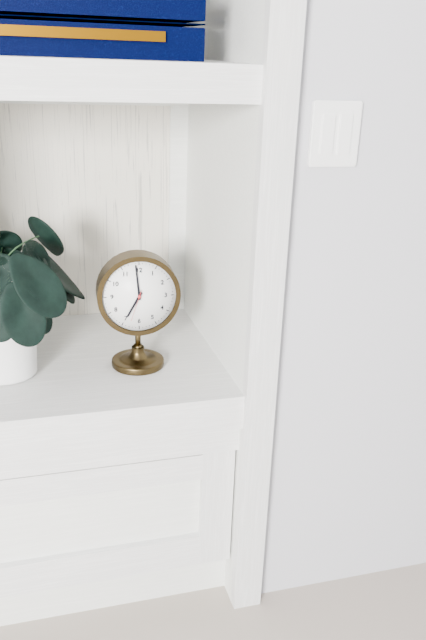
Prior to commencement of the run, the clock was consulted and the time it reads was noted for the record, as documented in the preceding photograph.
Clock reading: 6:59
